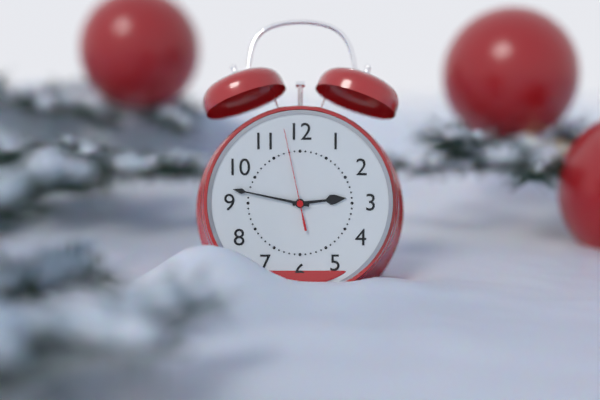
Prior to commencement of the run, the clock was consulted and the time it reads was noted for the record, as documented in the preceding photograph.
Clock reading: 2:47:58
